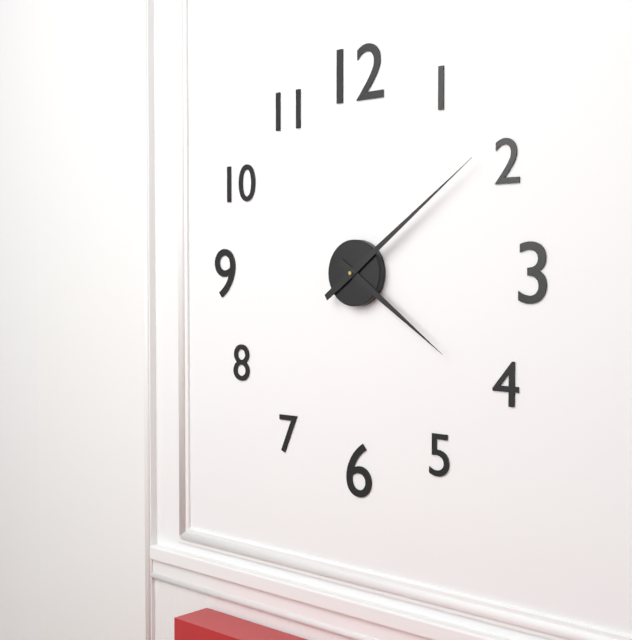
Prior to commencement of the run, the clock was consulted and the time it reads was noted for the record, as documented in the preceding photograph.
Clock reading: 4:09
